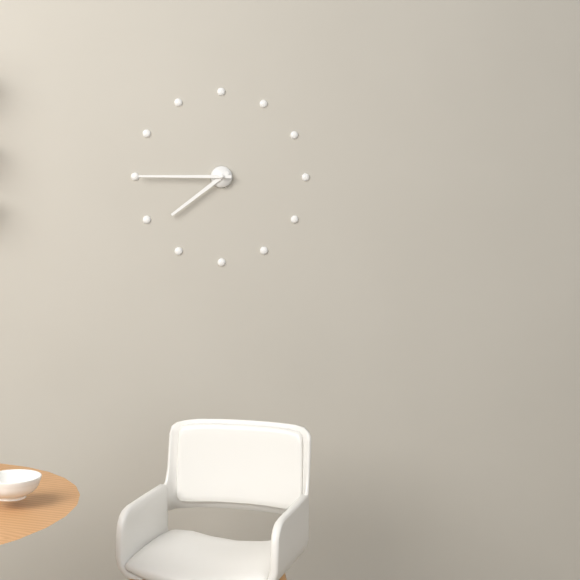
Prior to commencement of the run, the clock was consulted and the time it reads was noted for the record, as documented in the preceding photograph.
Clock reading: 7:45
